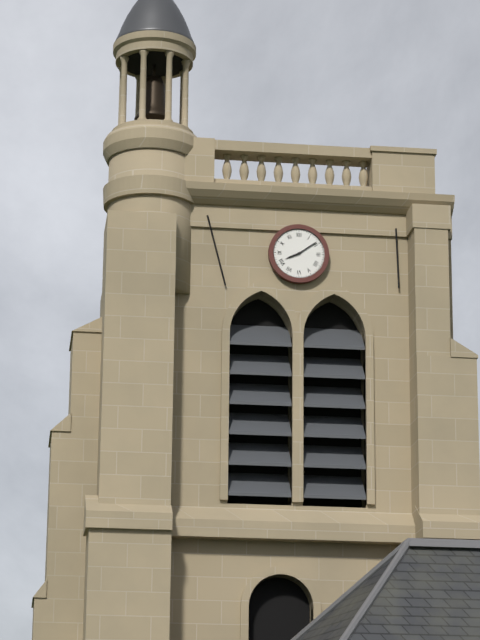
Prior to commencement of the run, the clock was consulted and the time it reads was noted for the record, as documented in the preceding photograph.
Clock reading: 8:09
